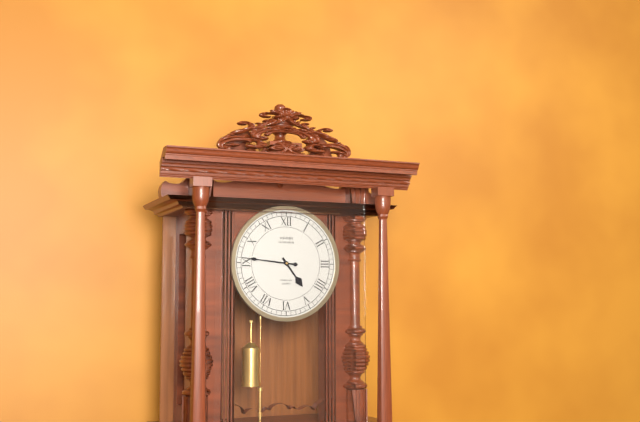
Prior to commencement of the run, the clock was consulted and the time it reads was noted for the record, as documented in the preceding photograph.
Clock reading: 4:46
